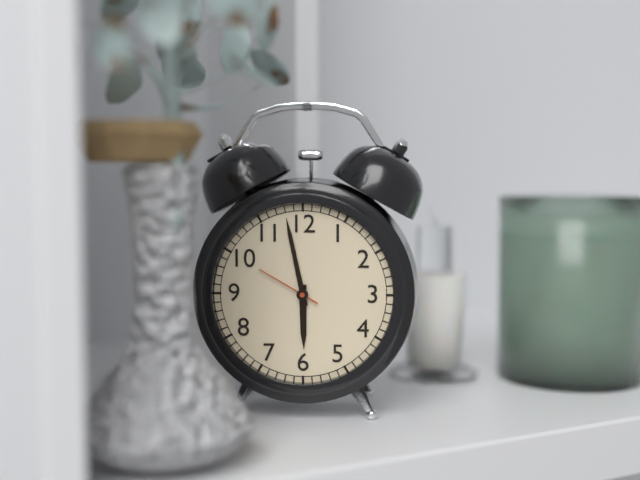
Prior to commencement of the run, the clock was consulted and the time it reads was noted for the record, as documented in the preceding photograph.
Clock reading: 5:58:50
